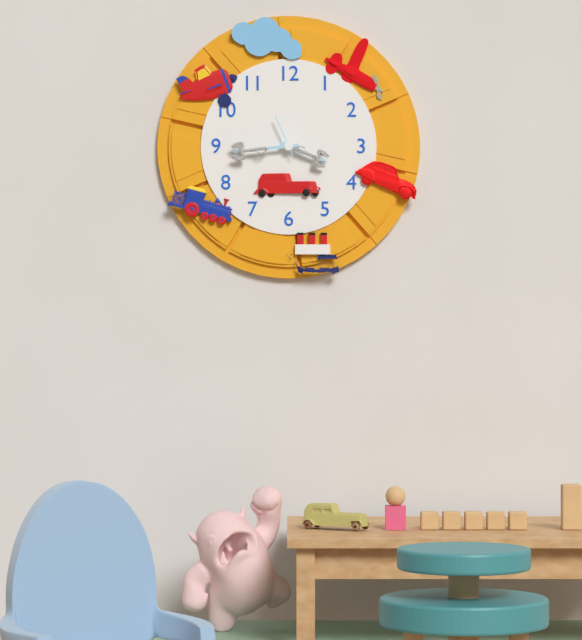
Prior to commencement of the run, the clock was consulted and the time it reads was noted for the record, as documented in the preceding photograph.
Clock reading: 3:44
